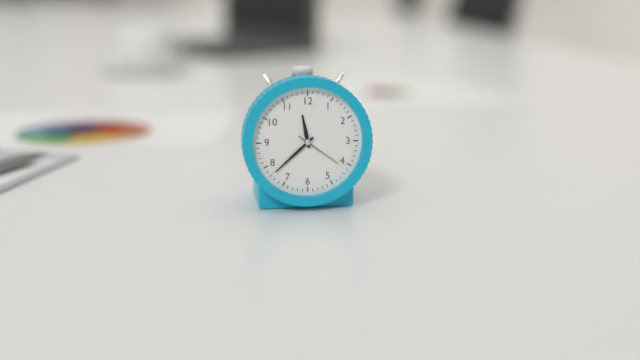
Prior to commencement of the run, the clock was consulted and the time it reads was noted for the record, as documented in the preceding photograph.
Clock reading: 11:38
